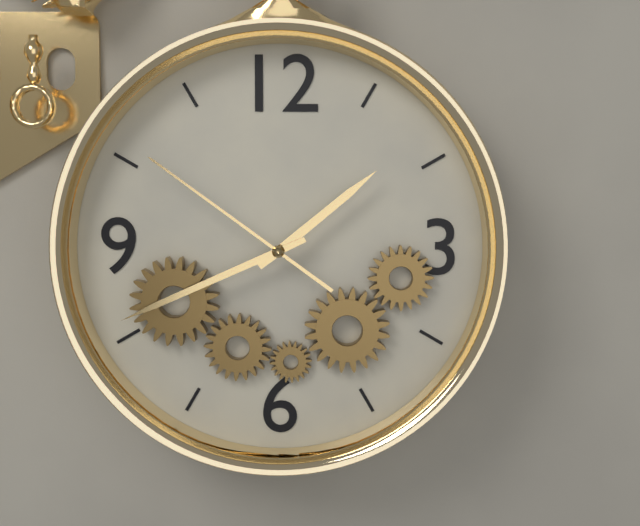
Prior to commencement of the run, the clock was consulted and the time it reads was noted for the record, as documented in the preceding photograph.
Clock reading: 1:41:51
